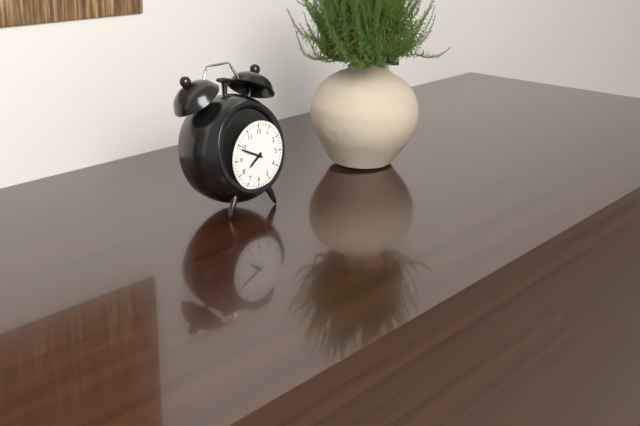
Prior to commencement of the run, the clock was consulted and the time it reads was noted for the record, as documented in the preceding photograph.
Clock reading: 7:49
